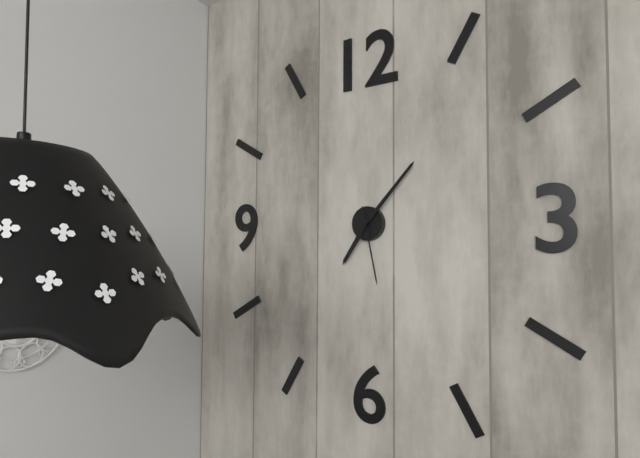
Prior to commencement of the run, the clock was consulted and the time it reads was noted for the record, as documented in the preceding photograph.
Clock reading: 7:07:28
